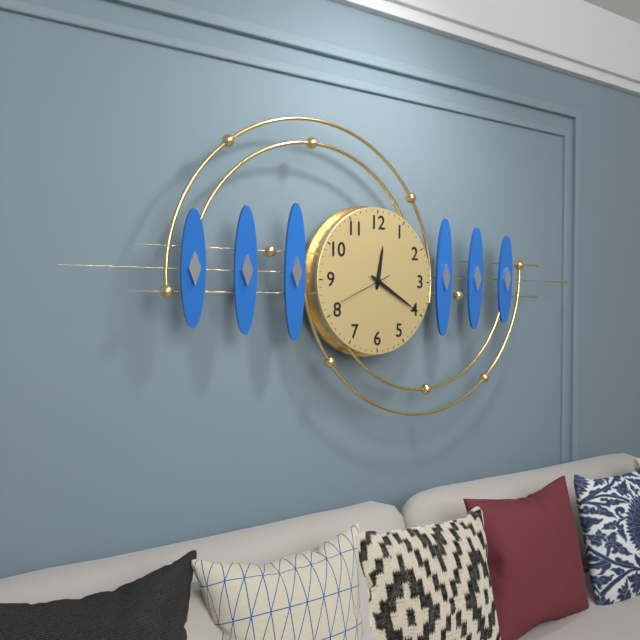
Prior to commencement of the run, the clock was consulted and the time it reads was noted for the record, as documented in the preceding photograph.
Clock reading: 12:20:41
